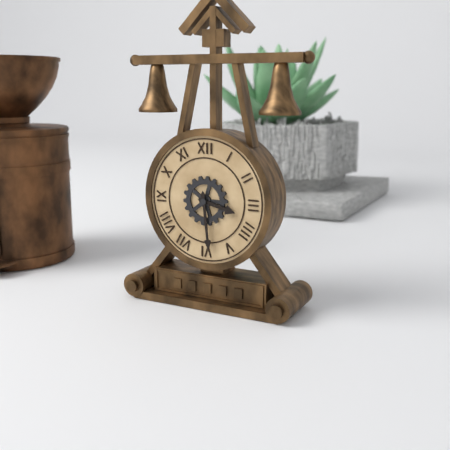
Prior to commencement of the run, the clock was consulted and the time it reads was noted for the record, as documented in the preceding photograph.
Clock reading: 3:29
